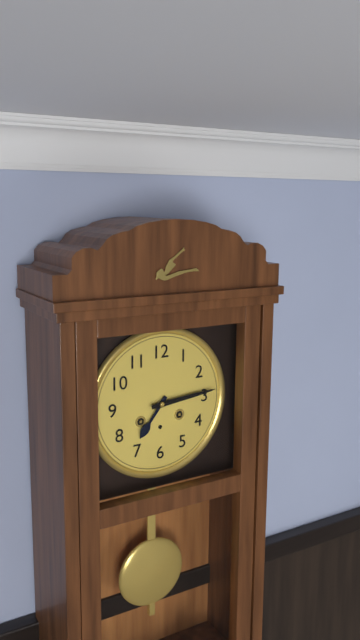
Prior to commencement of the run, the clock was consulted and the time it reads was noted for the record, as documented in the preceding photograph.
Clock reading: 7:14
